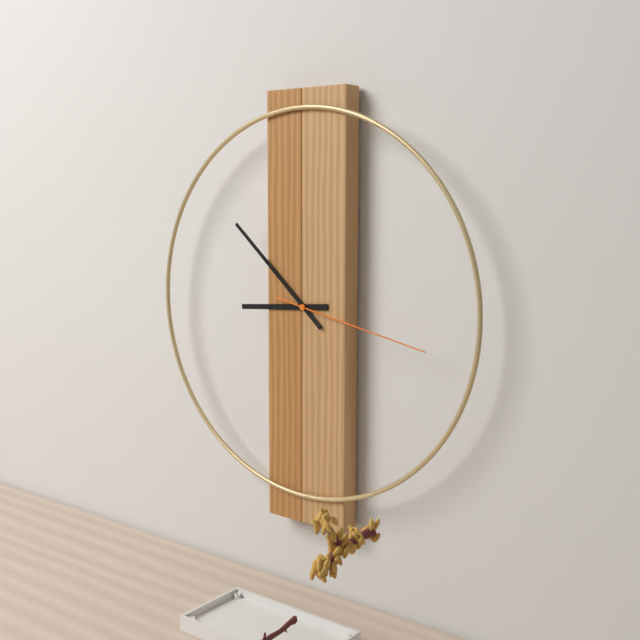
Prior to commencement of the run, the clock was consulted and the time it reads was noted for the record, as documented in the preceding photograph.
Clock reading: 8:52:17
